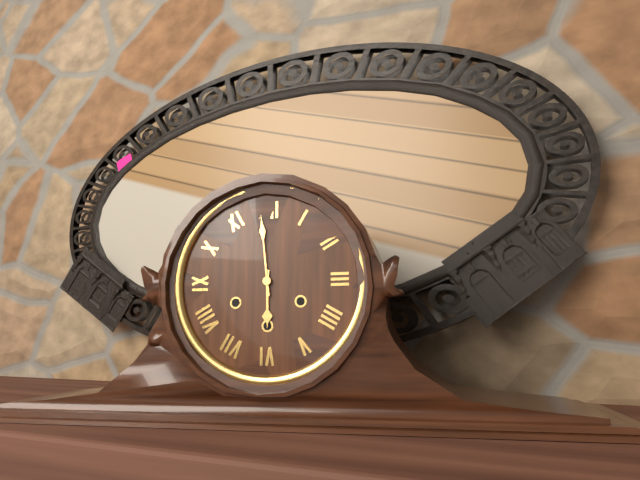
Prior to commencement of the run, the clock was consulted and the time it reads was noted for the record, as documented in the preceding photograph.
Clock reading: 5:59
